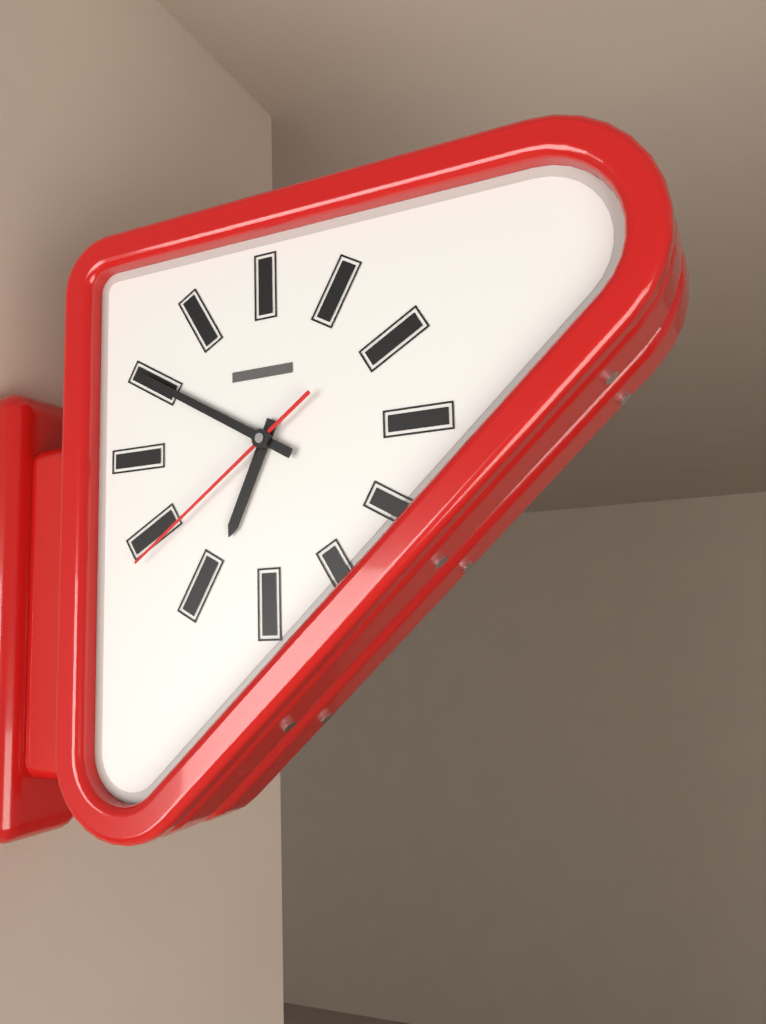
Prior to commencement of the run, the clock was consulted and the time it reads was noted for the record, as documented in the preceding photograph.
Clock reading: 6:50:39
